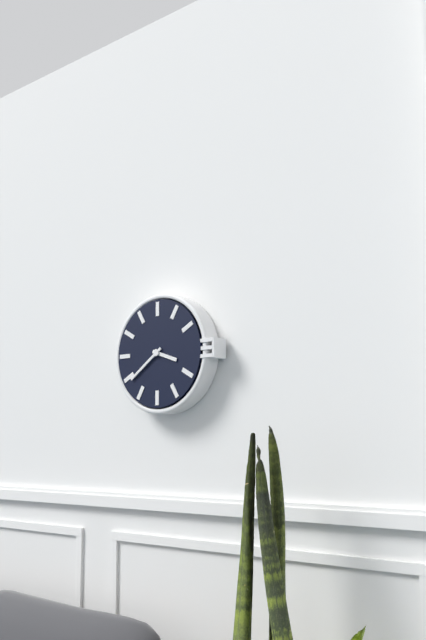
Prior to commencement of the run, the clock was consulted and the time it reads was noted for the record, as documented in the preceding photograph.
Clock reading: 3:39
